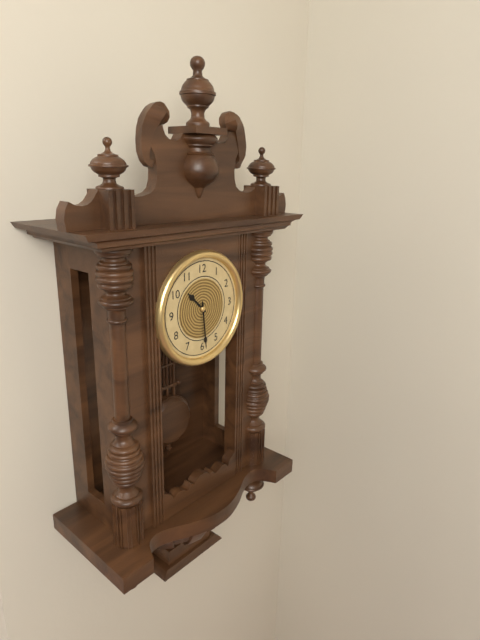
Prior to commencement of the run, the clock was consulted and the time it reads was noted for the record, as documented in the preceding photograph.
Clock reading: 10:29
